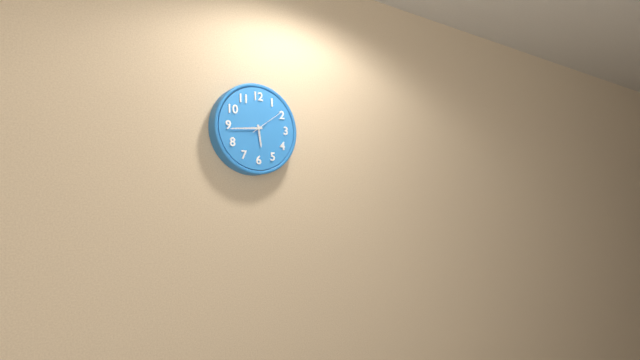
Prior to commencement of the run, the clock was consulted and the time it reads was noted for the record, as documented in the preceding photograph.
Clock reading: 5:44
